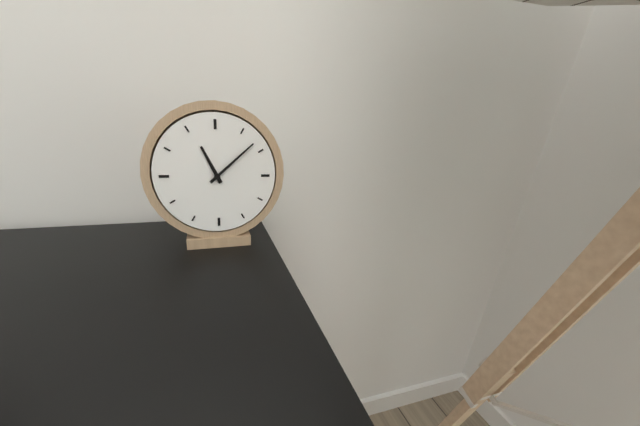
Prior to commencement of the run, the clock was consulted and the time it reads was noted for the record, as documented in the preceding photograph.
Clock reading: 11:08
